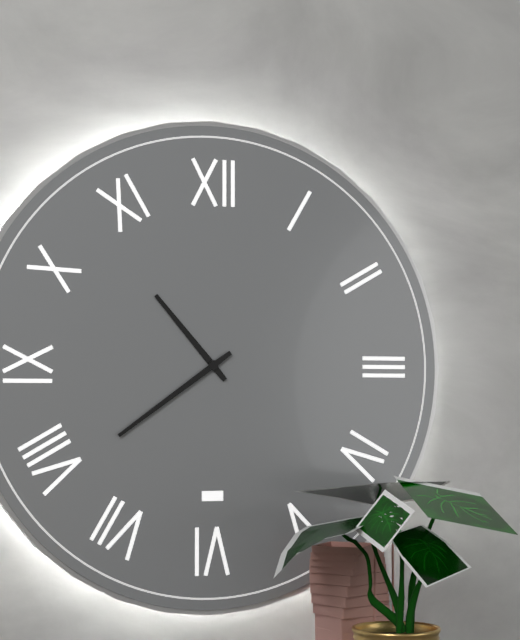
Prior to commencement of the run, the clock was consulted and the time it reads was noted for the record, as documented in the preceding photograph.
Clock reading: 10:39
